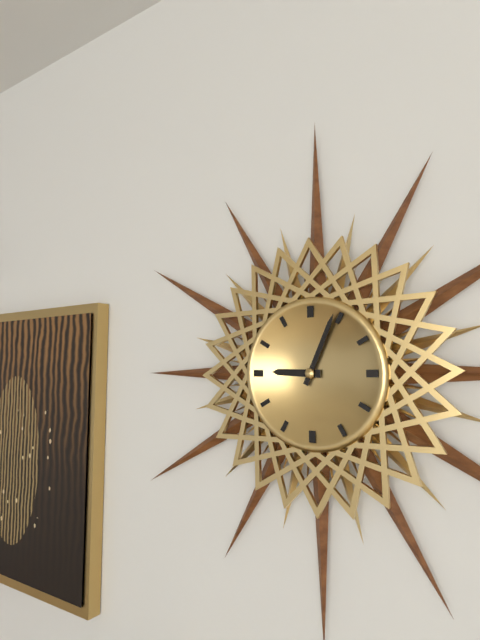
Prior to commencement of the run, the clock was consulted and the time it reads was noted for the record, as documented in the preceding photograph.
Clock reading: 9:04
